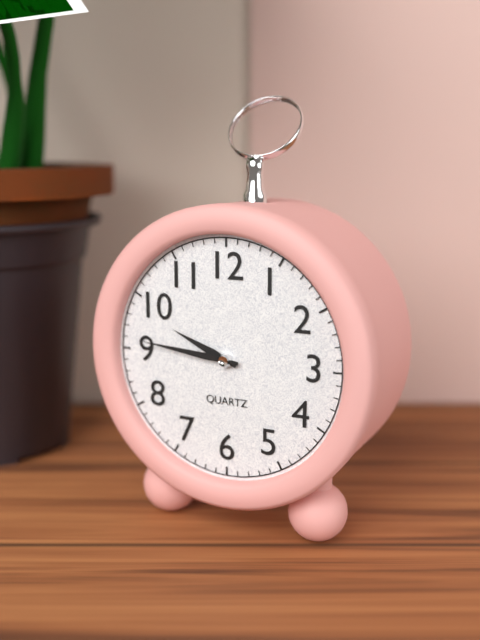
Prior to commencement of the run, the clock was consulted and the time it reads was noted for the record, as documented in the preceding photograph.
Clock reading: 9:46
